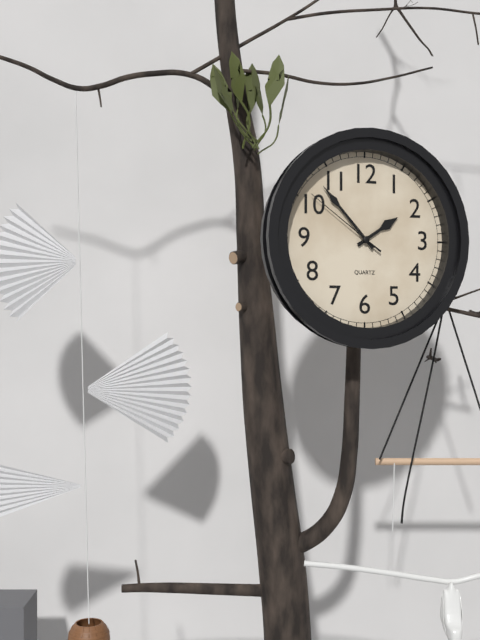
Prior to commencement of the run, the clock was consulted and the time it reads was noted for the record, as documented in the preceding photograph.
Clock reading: 1:53:51
